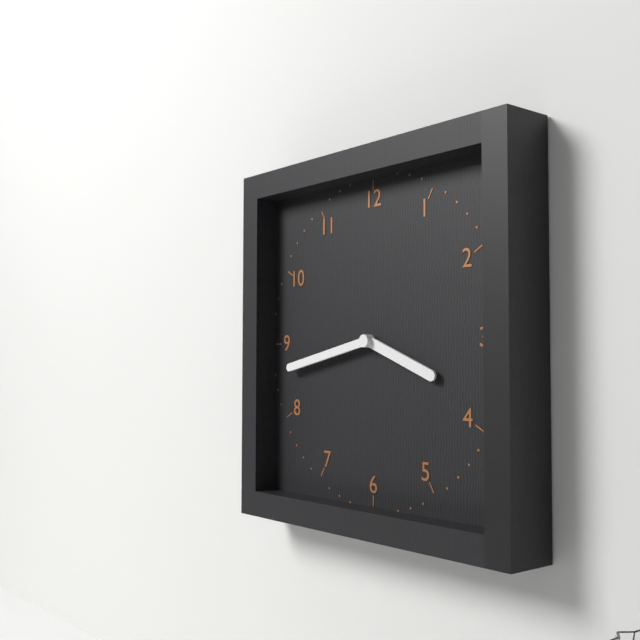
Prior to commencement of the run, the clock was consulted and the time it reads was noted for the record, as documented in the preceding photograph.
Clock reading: 3:43
